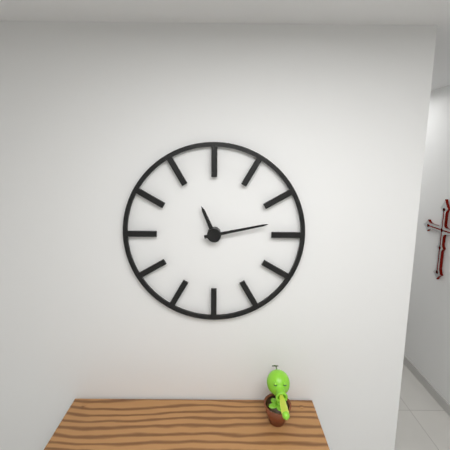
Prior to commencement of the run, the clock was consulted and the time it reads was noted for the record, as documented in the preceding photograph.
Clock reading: 11:13
